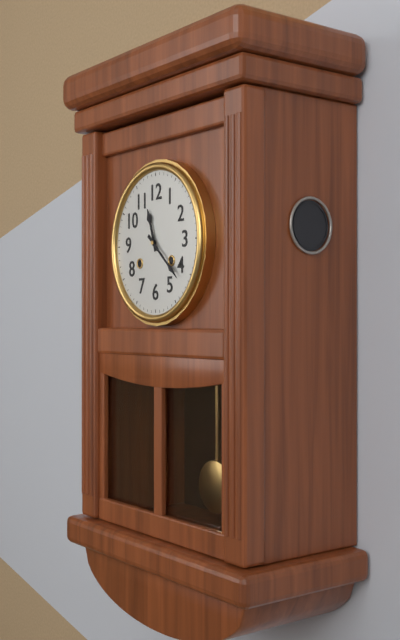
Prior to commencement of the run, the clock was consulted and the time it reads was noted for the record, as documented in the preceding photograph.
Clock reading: 11:22
